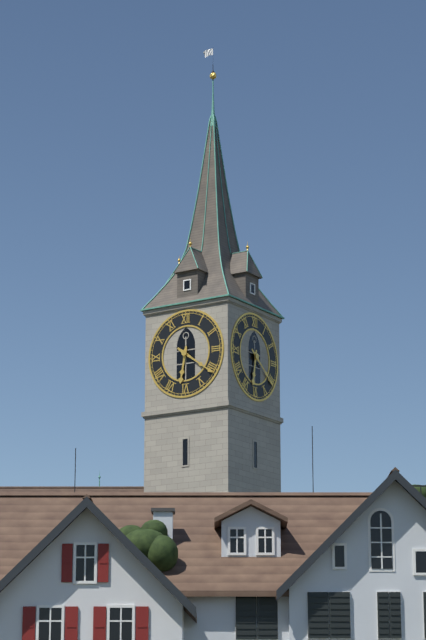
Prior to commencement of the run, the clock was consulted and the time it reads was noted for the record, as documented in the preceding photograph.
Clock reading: 6:21
